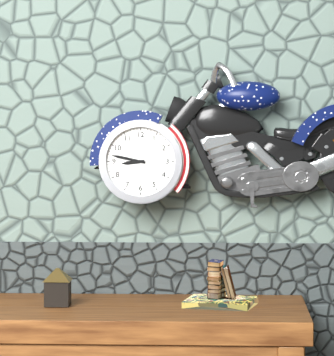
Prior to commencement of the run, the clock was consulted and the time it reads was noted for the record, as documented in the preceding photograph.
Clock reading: 8:47
